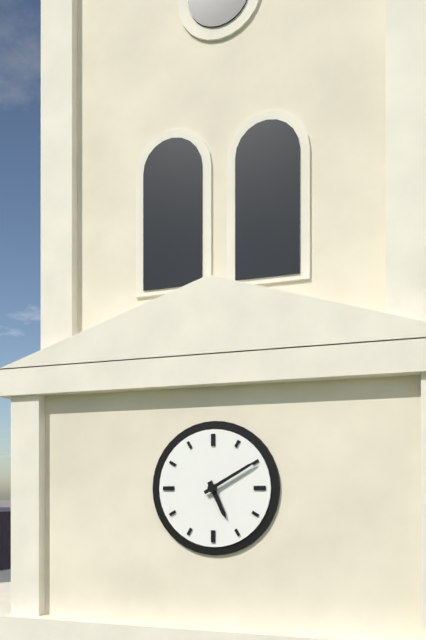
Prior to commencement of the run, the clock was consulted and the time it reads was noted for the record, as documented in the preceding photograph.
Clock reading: 5:10
